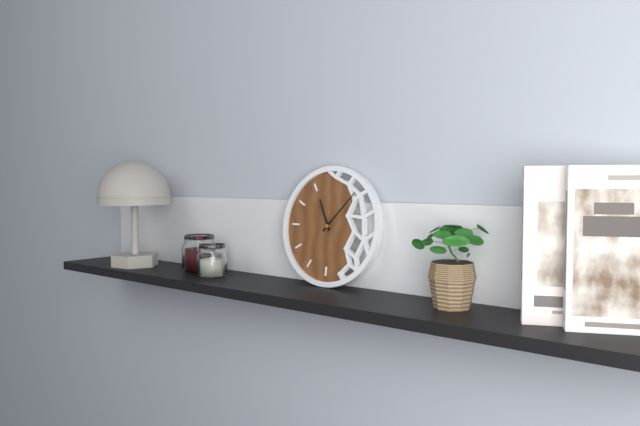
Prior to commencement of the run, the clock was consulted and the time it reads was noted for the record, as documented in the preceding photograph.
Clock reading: 11:07
